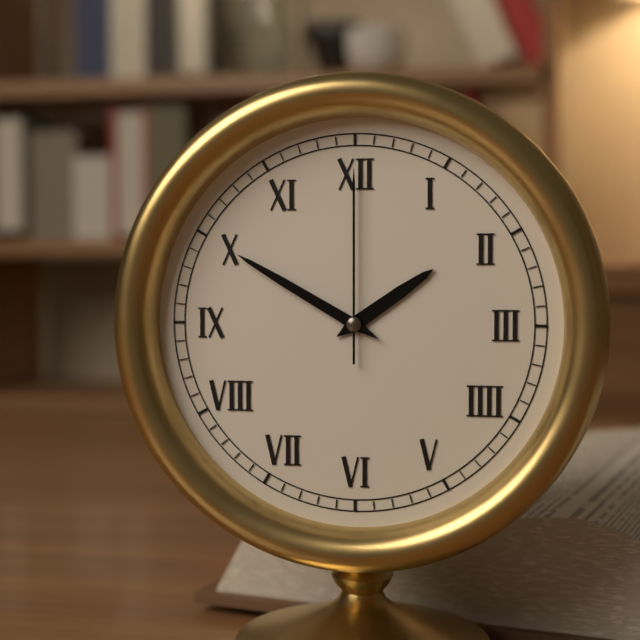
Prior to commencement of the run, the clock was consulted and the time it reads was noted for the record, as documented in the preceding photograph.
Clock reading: 1:50:00
